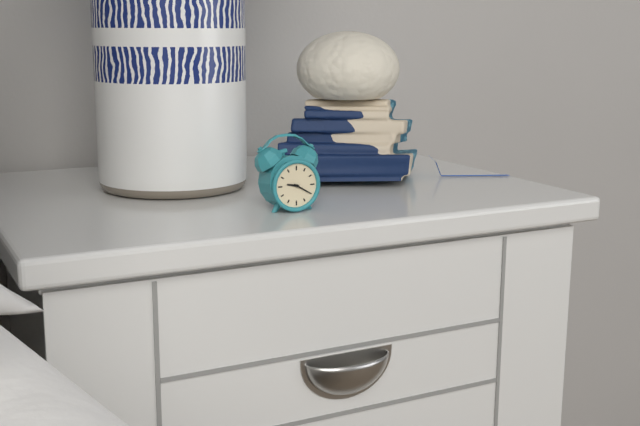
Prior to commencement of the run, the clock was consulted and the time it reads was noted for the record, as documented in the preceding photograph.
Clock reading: 9:20
